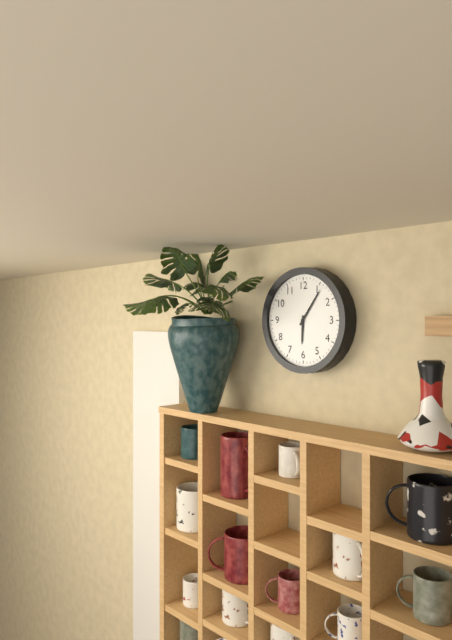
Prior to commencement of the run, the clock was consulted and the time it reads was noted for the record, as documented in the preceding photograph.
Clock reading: 6:06
